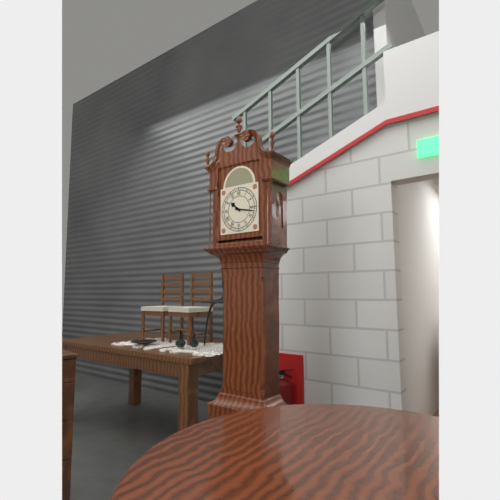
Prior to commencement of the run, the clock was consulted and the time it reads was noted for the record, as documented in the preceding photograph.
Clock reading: 10:17
